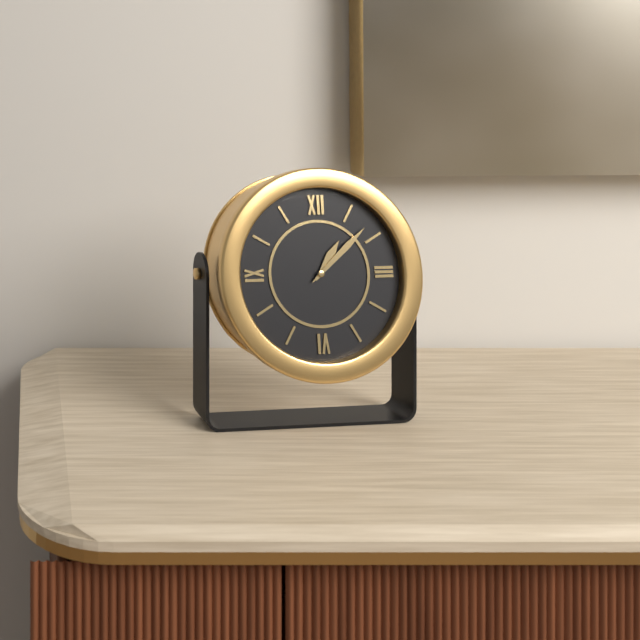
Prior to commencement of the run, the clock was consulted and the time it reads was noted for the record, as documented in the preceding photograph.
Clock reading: 1:08
